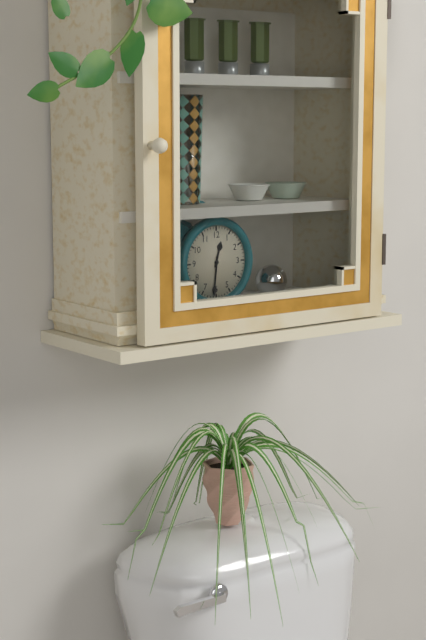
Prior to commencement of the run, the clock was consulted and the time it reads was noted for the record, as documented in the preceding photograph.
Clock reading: 12:31
